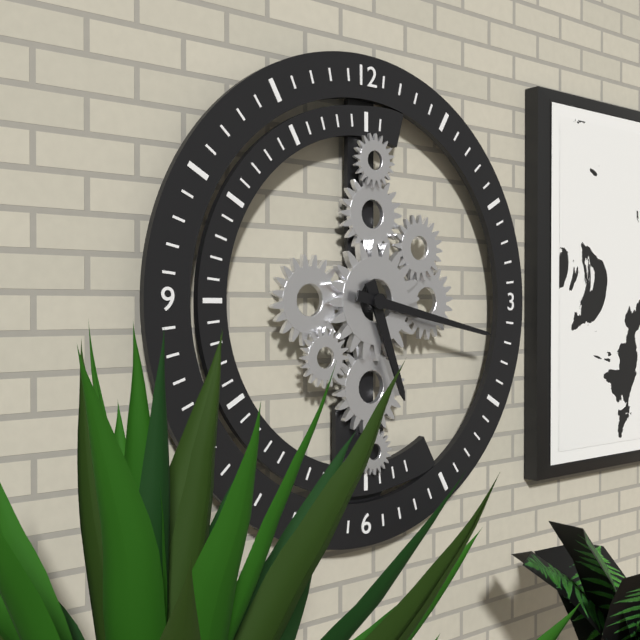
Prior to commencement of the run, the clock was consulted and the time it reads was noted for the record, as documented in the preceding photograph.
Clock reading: 5:17
